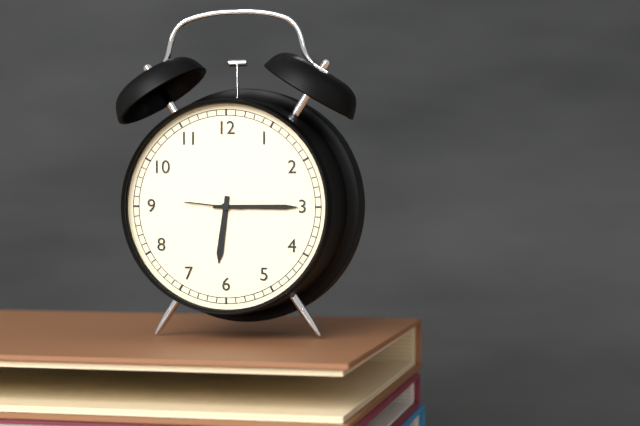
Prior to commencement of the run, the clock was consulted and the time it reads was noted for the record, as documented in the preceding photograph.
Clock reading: 6:15:46
